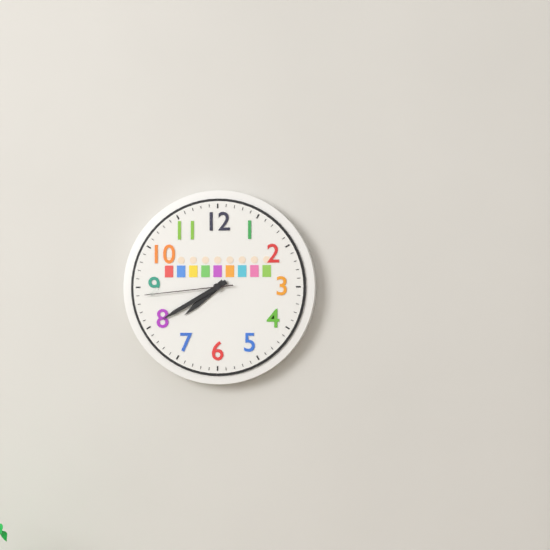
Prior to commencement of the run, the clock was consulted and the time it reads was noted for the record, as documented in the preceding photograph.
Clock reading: 7:40:44
